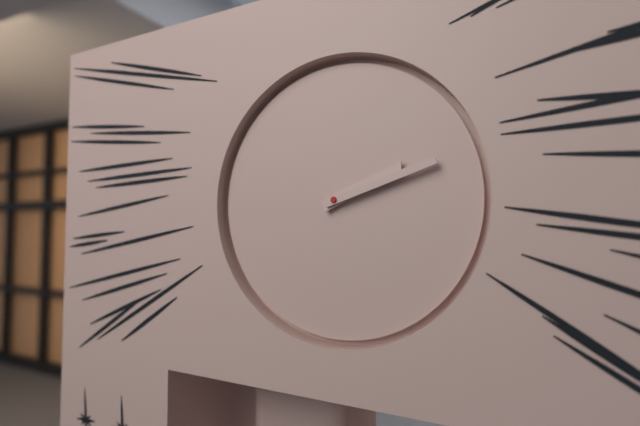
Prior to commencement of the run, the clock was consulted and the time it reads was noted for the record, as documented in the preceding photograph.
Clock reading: 2:12
